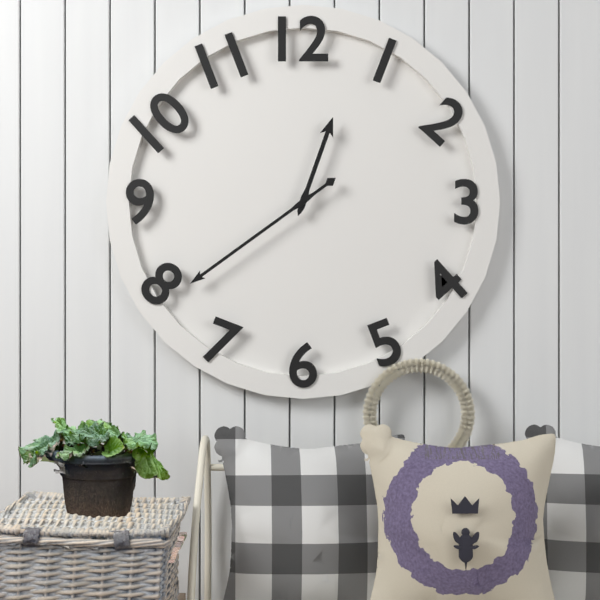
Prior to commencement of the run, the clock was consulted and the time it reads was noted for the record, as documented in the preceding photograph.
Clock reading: 12:39
